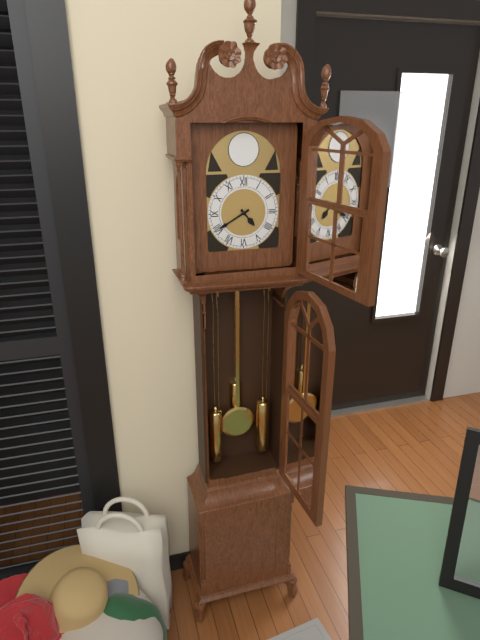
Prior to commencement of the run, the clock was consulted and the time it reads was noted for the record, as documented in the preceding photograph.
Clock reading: 4:40
